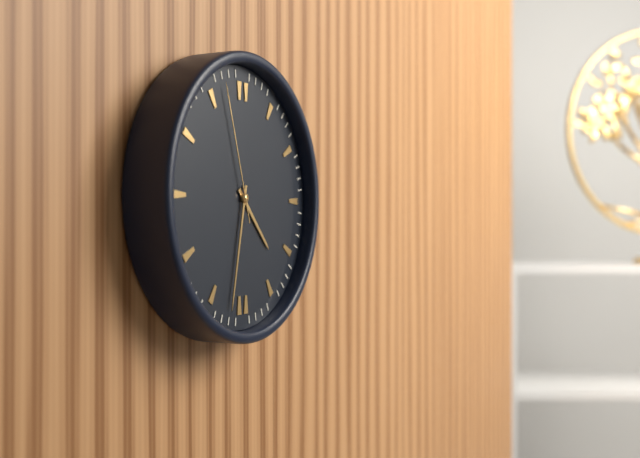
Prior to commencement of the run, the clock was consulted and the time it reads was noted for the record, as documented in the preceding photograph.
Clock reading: 4:32:57
